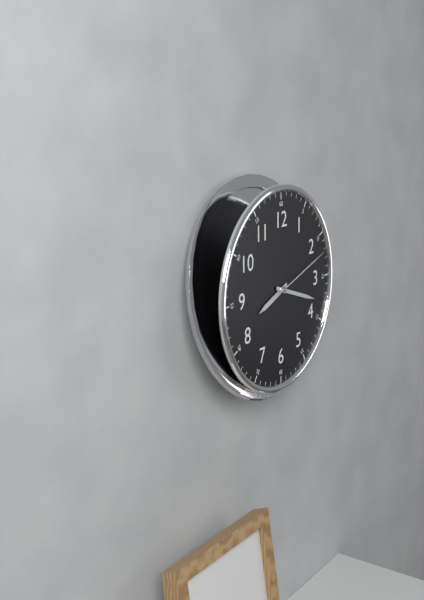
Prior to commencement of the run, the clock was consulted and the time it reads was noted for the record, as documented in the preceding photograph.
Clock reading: 8:18:12
